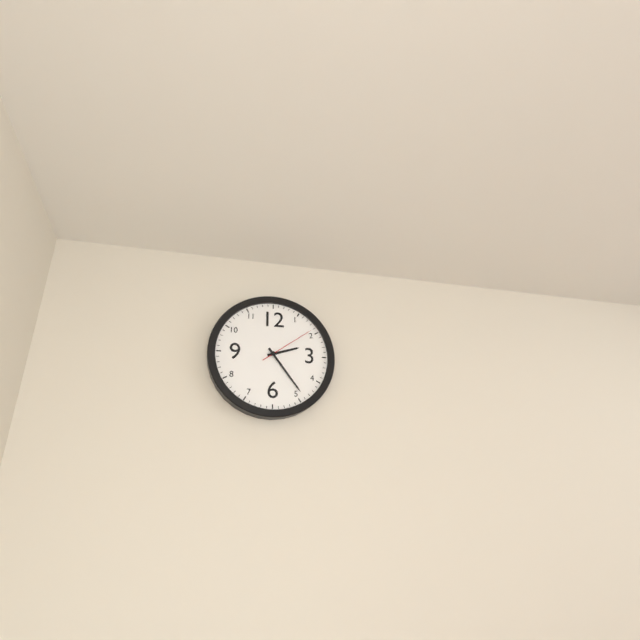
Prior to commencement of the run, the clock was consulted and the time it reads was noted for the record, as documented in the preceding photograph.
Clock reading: 2:24:09
